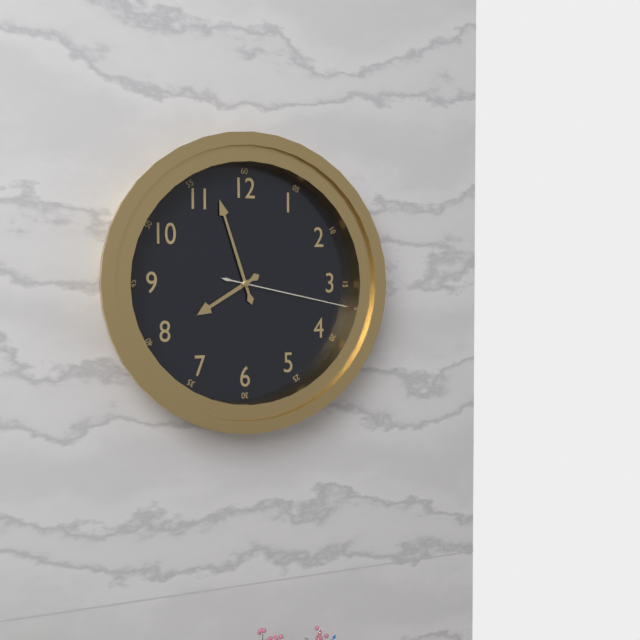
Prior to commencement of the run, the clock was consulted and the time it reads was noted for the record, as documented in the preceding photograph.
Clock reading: 7:57:17
